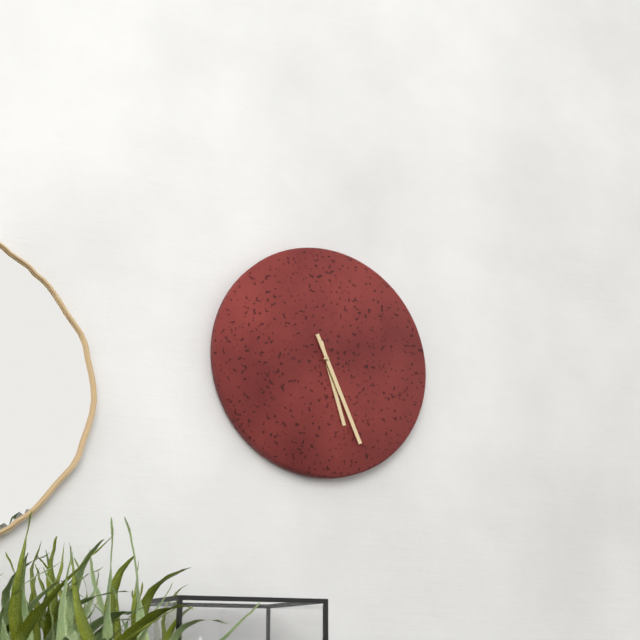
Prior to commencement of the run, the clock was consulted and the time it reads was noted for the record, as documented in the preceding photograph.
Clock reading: 5:26
